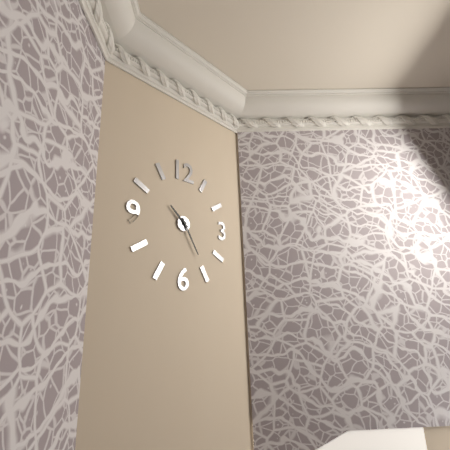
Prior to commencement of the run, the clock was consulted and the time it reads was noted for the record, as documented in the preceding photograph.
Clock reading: 10:25
